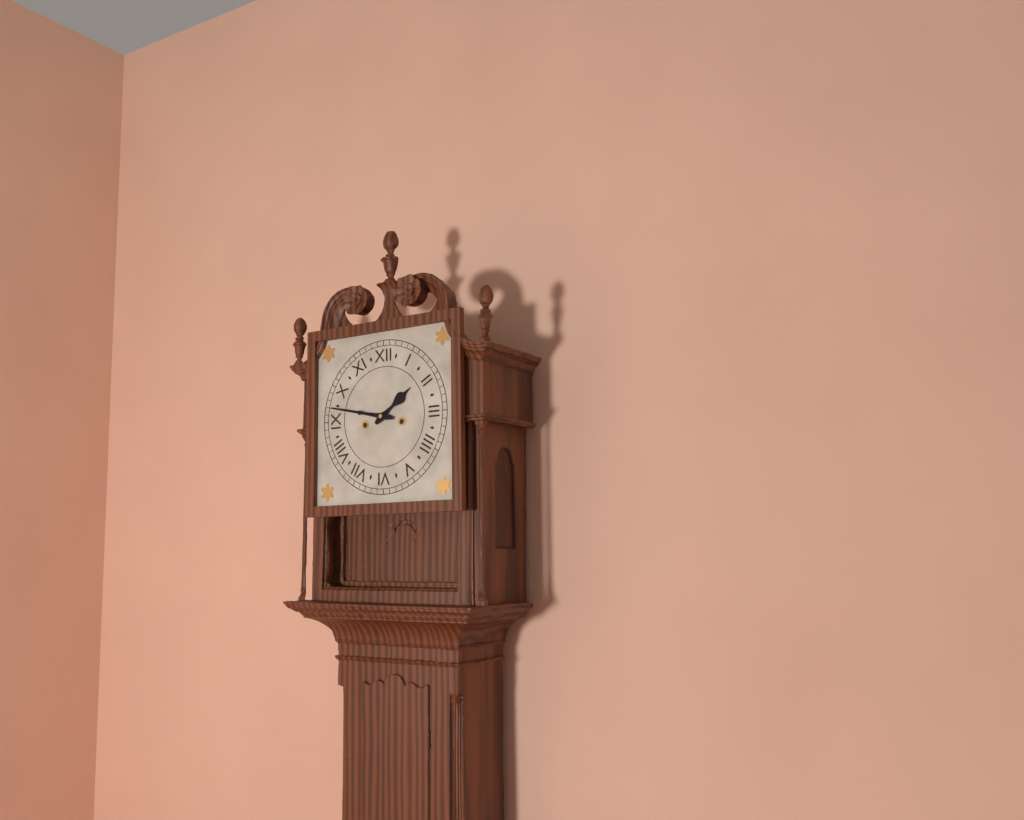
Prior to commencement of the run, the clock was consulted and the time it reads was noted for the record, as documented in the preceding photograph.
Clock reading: 1:47
